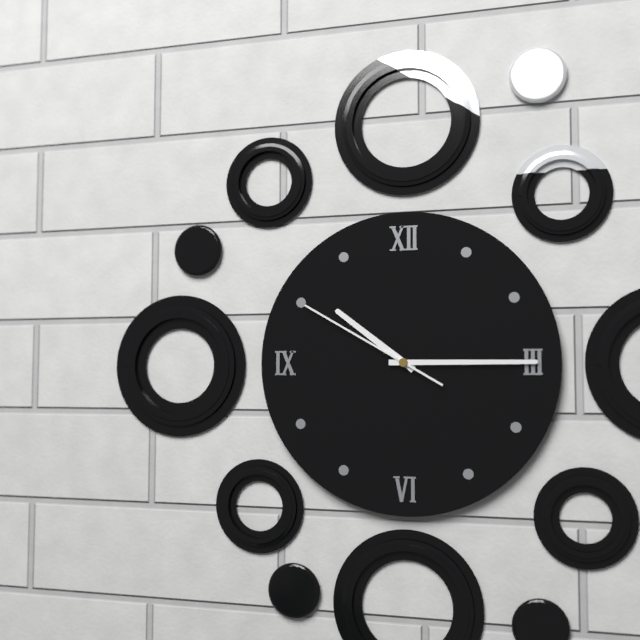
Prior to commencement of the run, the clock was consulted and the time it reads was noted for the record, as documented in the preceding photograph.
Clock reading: 10:15:50
